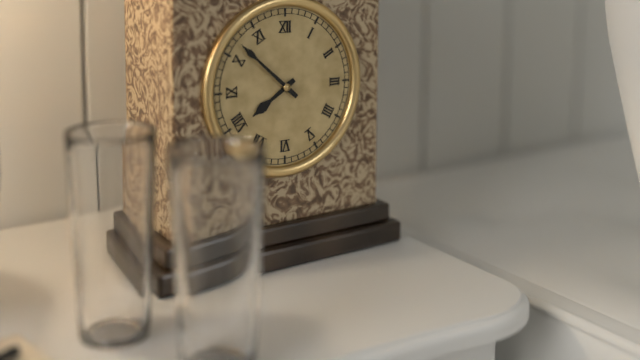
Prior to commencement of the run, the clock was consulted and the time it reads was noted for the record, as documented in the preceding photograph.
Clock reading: 7:52
